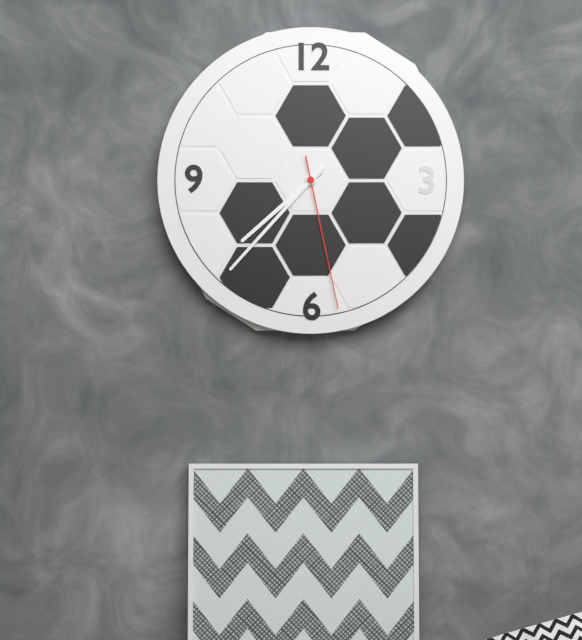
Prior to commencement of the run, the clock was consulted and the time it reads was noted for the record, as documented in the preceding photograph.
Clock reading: 7:37:28
